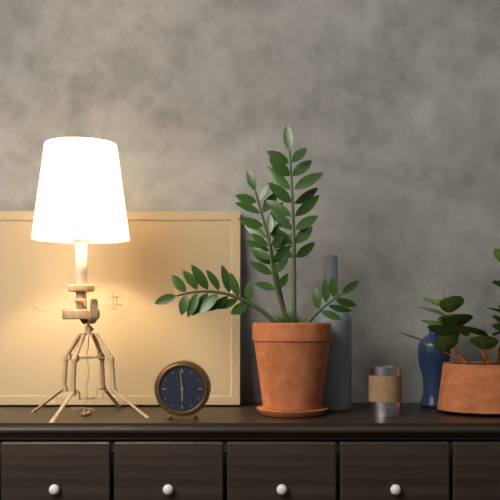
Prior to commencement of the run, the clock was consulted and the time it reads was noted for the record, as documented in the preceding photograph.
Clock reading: 5:59
